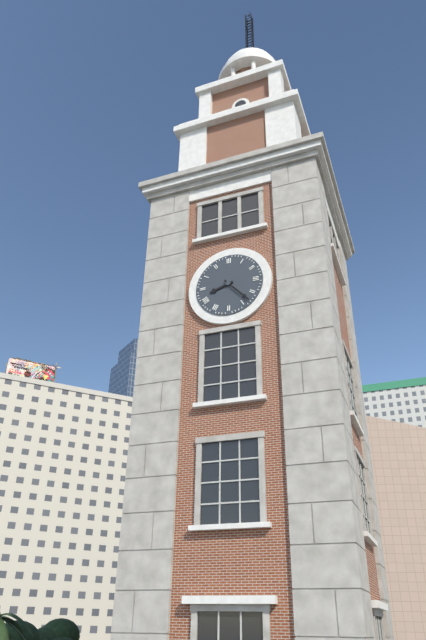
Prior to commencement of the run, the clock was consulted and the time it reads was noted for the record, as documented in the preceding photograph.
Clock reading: 8:23
